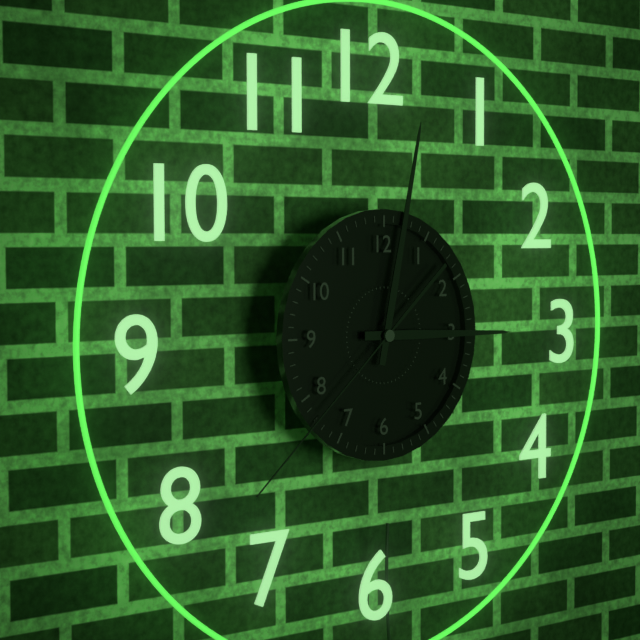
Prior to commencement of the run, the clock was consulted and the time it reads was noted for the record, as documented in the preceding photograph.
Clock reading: 3:02:38
